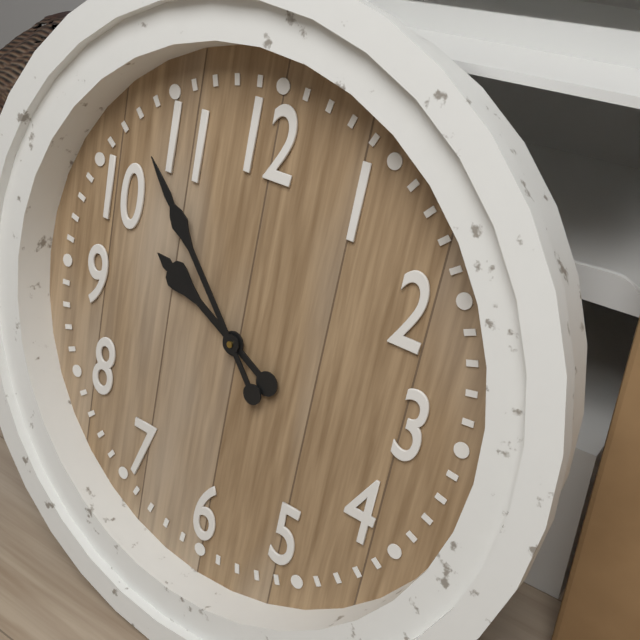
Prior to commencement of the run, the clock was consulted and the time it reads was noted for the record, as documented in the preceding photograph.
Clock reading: 9:53
